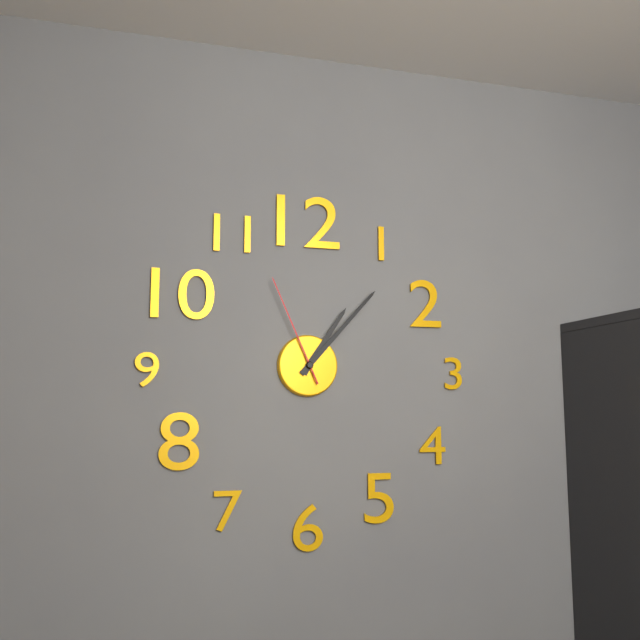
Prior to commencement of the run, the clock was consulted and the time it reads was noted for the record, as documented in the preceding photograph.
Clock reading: 1:07:56
